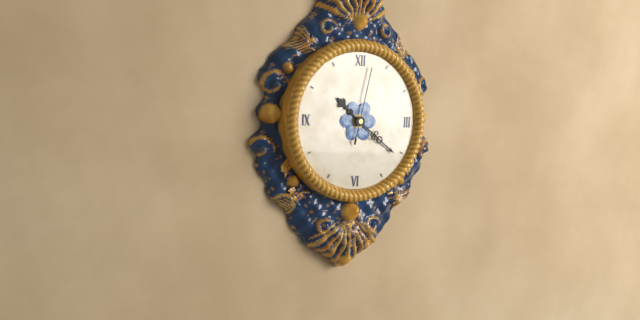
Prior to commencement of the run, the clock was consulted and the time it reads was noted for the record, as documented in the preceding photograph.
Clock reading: 10:21:02
